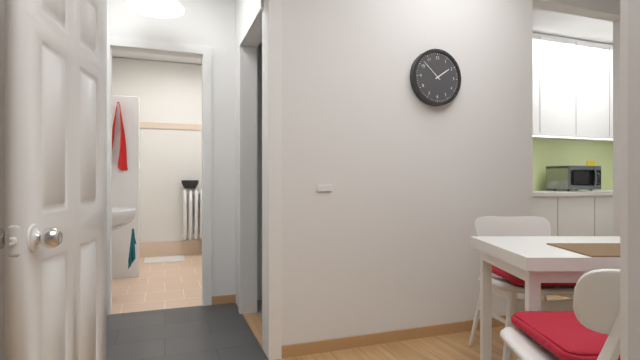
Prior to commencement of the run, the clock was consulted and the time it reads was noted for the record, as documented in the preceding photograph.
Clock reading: 1:52
